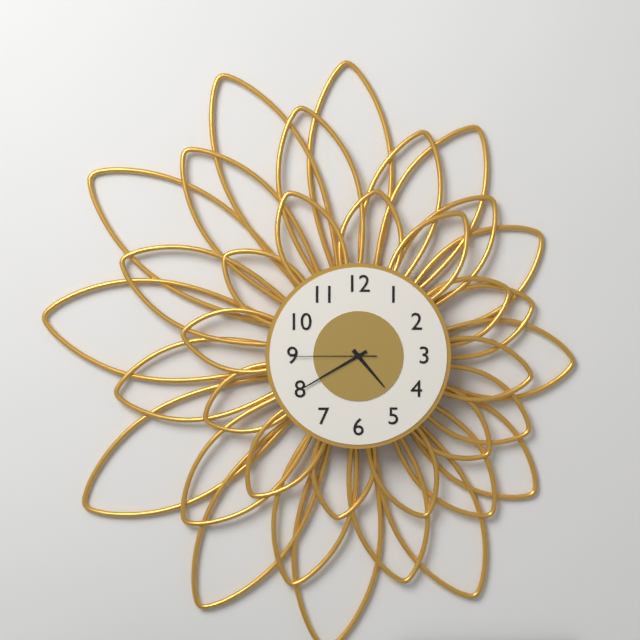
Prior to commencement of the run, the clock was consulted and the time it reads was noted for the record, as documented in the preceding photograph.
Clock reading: 4:40:45
